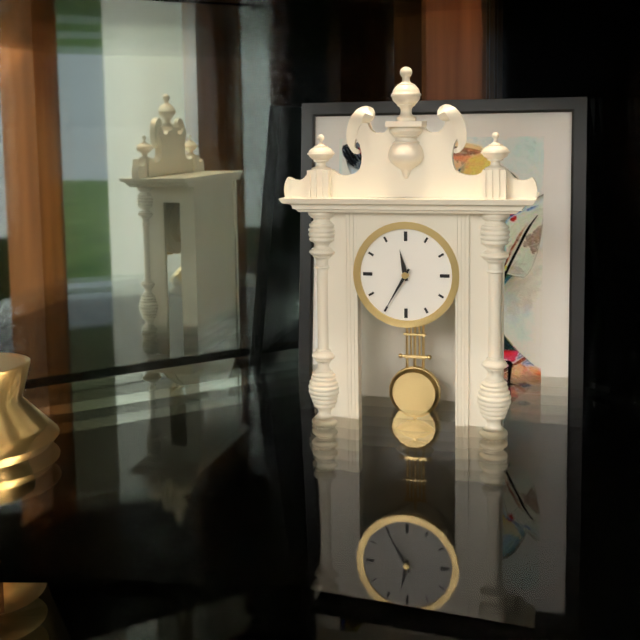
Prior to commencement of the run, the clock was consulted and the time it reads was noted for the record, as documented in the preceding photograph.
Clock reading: 11:35
